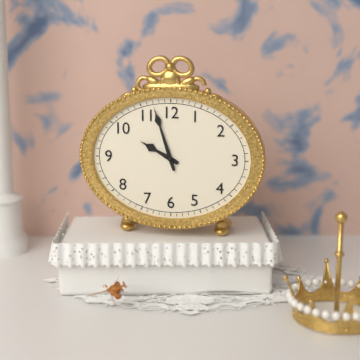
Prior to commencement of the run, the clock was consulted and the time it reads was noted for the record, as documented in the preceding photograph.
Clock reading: 9:57
